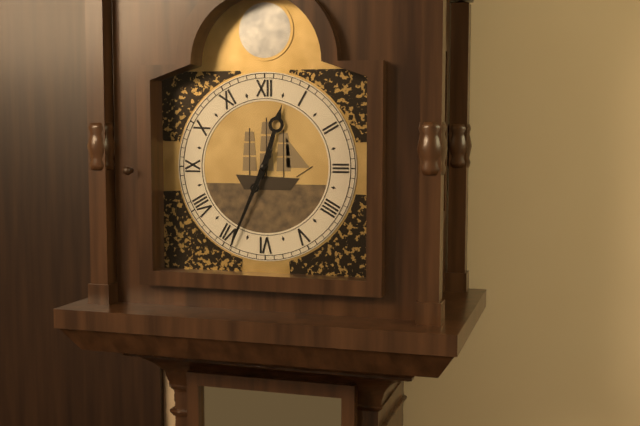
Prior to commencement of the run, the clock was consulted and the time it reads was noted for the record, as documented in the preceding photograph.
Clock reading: 12:34
